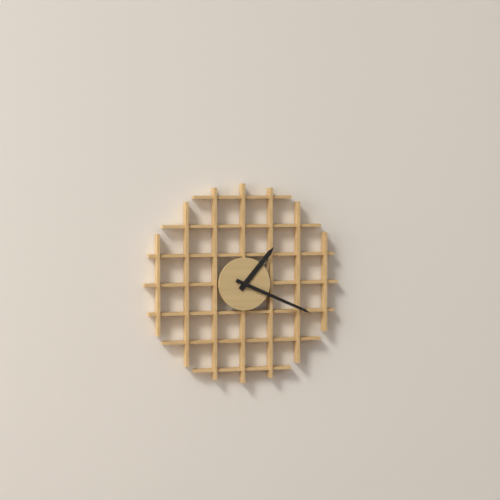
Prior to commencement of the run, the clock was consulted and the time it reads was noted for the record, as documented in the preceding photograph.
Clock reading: 1:19
